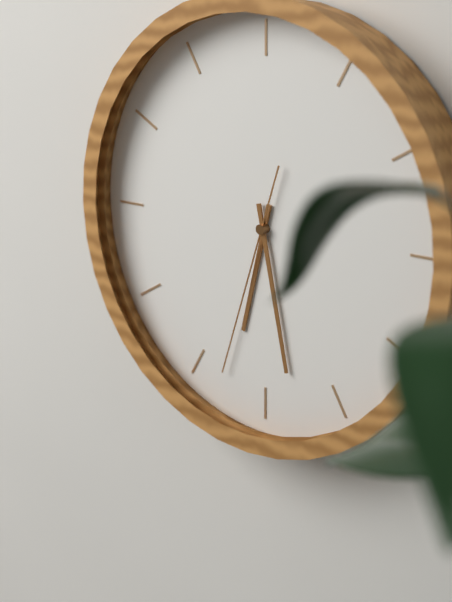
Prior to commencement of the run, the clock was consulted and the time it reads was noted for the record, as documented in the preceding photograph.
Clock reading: 6:28:33
